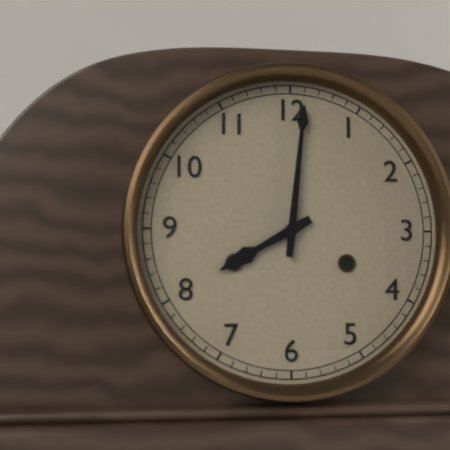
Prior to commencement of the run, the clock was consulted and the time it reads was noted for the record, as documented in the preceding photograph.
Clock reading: 8:01
